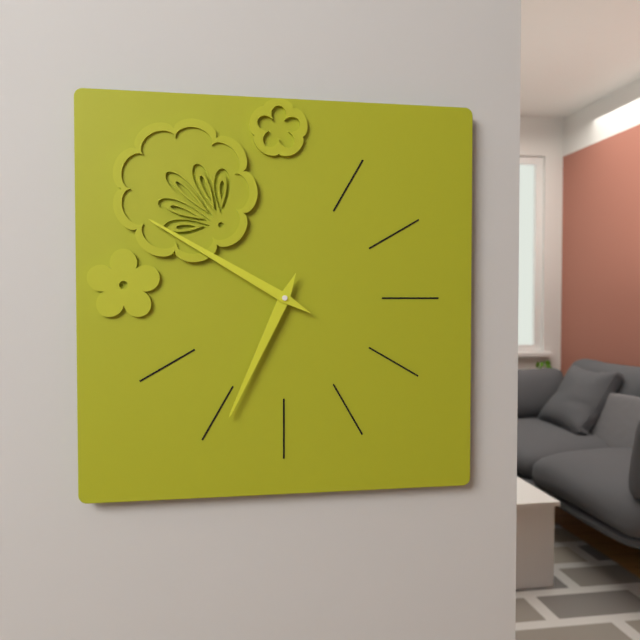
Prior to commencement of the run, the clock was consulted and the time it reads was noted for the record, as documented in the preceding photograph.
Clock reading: 6:50
